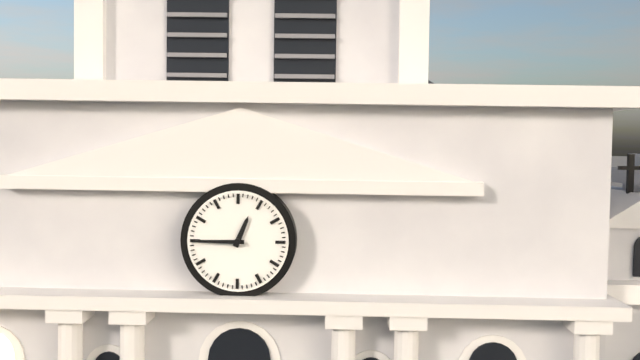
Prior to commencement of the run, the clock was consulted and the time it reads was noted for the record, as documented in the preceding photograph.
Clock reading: 12:45
